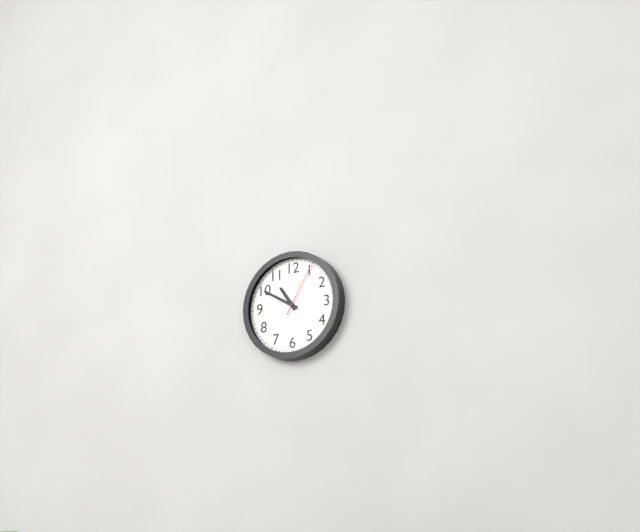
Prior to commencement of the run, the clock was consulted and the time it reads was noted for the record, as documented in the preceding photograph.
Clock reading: 10:50:05
